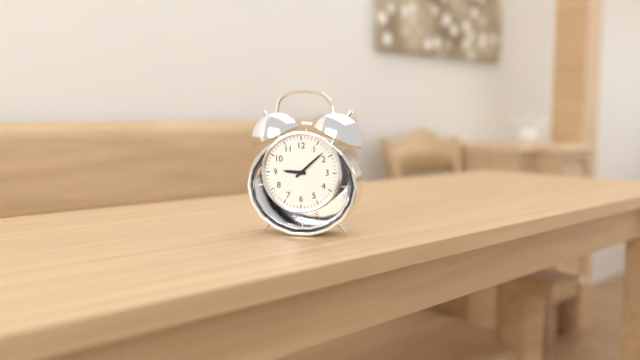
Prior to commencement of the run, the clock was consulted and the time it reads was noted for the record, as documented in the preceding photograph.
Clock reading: 9:08
